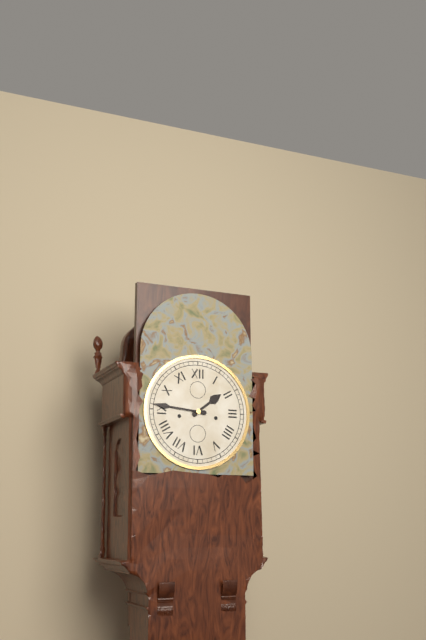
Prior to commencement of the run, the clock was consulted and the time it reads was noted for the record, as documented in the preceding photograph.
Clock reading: 1:46
